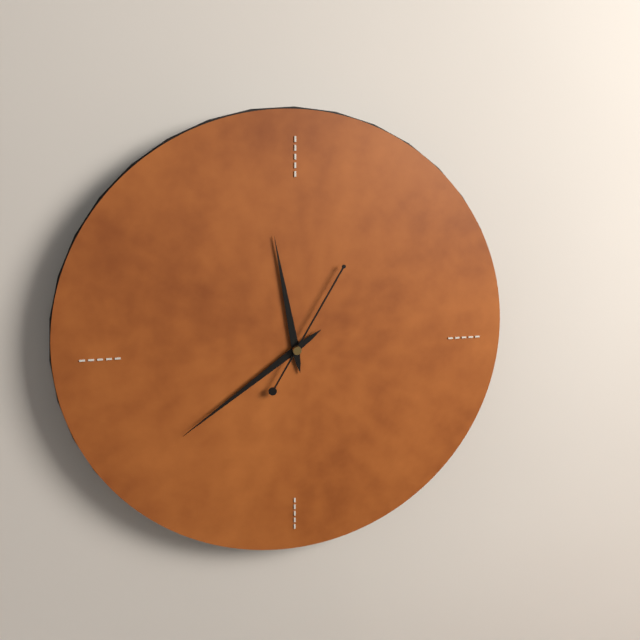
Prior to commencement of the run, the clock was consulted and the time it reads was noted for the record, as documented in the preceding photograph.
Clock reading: 11:39:05
